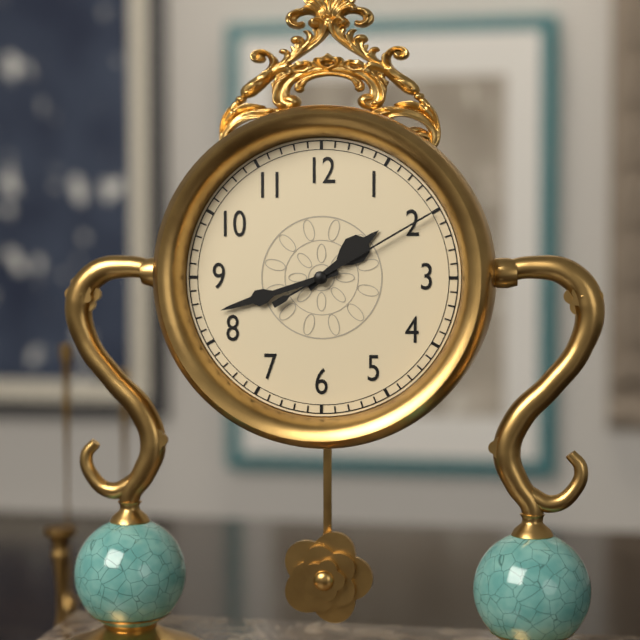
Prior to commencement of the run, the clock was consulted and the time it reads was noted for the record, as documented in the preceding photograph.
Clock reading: 1:42:10
